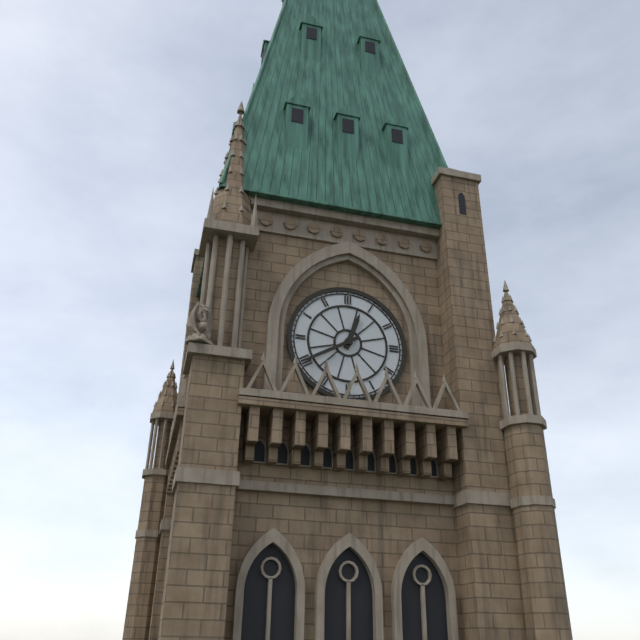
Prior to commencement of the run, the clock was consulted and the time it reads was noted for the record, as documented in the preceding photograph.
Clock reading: 12:40
